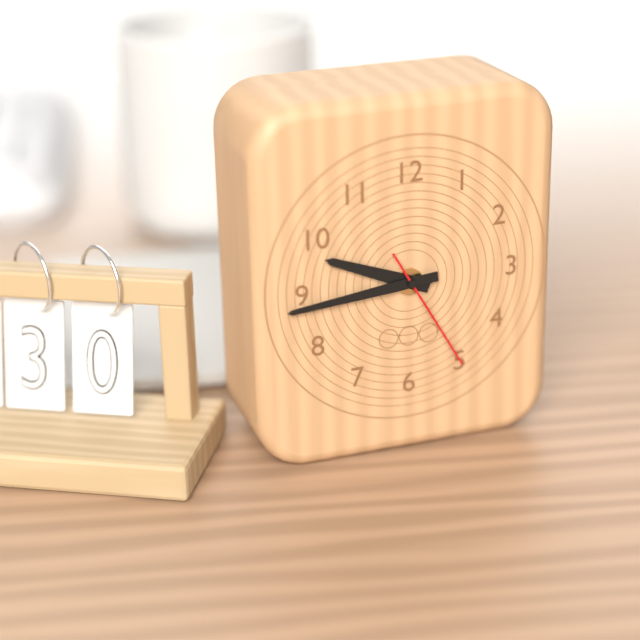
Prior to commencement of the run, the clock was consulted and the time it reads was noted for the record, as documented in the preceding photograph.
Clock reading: 9:44:25
